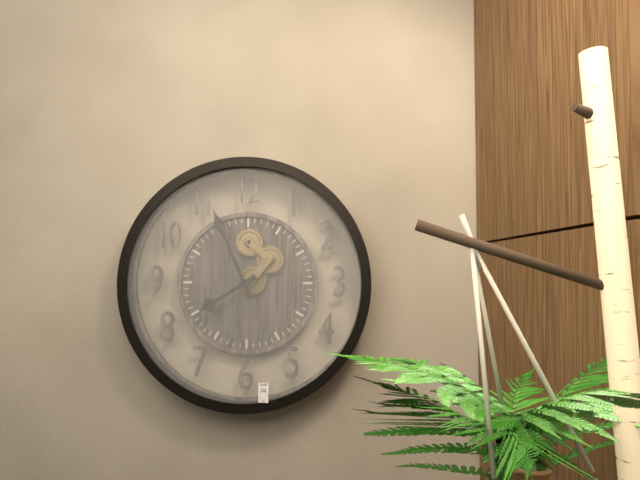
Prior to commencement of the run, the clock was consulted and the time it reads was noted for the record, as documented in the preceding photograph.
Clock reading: 7:56
